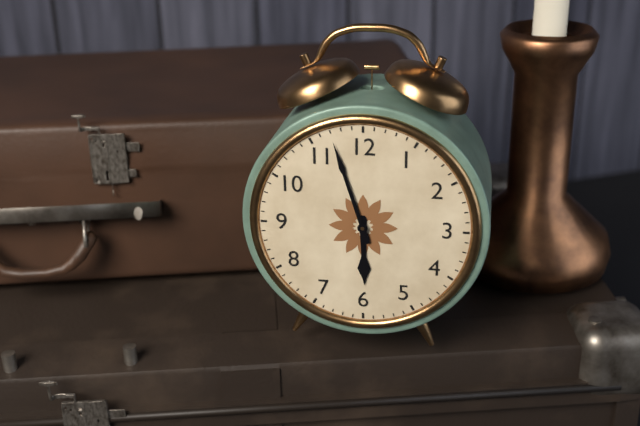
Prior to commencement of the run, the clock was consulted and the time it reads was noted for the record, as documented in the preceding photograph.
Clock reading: 5:57
